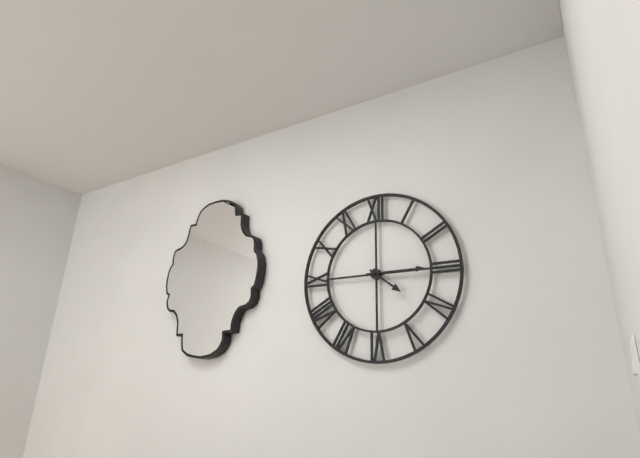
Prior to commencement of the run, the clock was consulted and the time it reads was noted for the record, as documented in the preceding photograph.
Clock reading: 4:15
